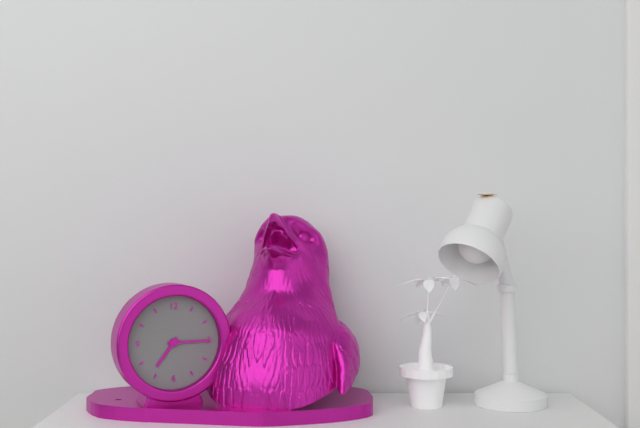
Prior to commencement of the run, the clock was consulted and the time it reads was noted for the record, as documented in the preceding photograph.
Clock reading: 7:15
